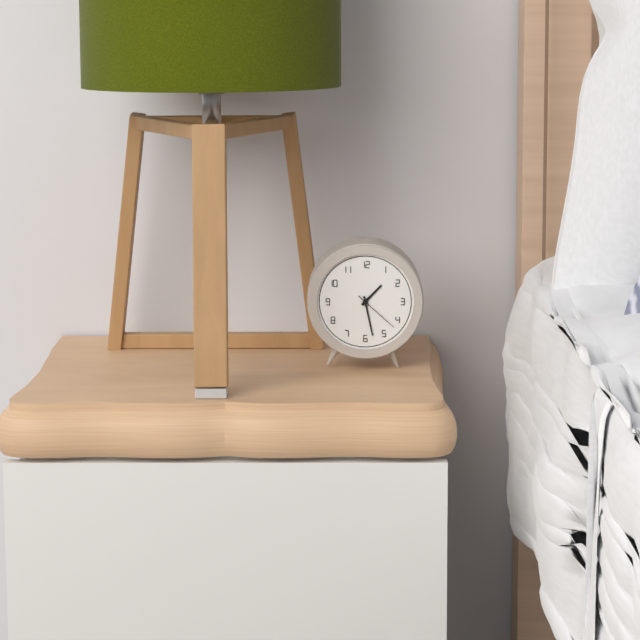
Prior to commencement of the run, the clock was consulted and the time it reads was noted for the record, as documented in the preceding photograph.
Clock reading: 1:28
